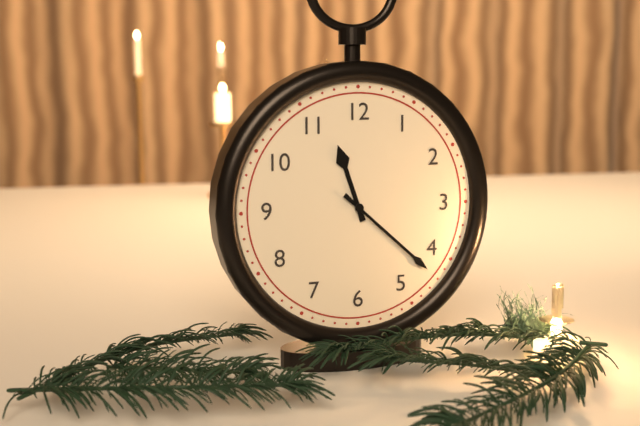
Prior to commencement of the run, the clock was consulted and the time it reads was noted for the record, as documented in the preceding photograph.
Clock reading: 11:22
